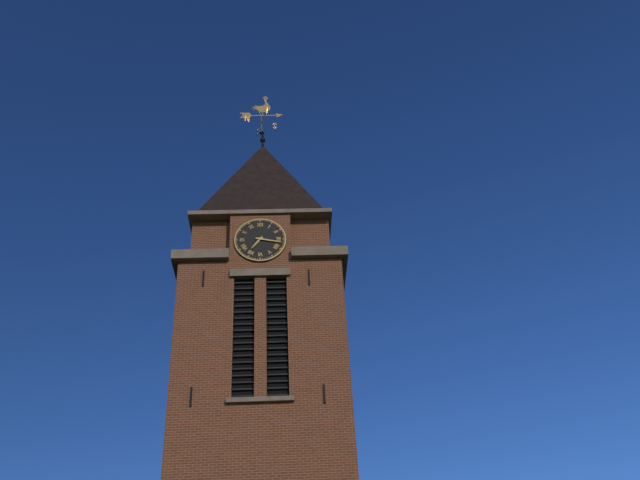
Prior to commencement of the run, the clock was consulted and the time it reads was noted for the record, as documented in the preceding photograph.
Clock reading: 7:17
